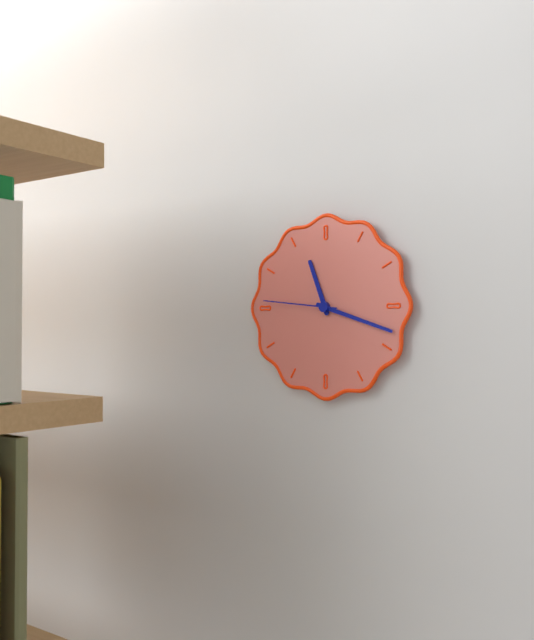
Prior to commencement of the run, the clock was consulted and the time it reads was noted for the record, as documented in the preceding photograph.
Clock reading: 11:18:46
